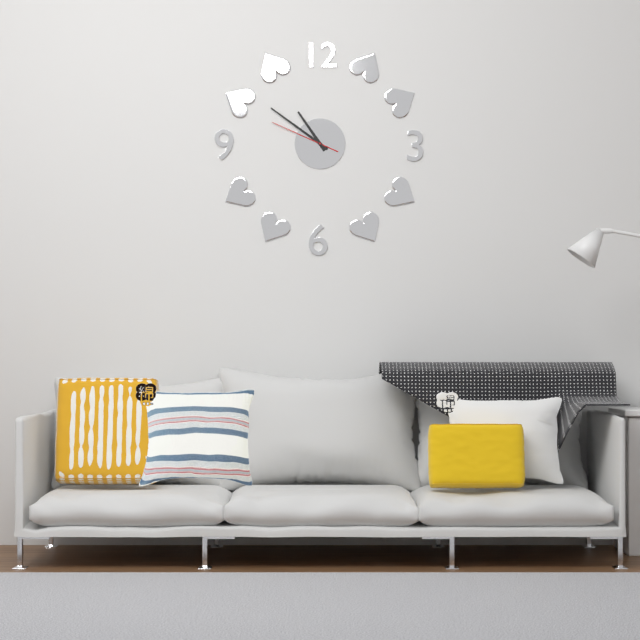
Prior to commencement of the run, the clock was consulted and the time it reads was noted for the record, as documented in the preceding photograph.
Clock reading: 10:51:49
